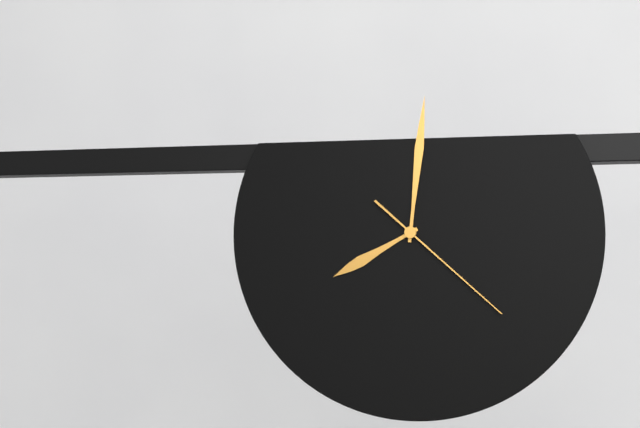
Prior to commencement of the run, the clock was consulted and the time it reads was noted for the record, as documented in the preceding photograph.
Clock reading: 8:01:22
